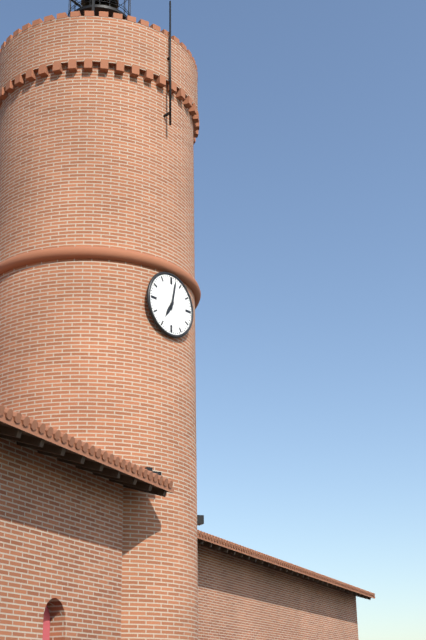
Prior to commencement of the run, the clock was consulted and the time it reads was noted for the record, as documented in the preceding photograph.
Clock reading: 7:02
